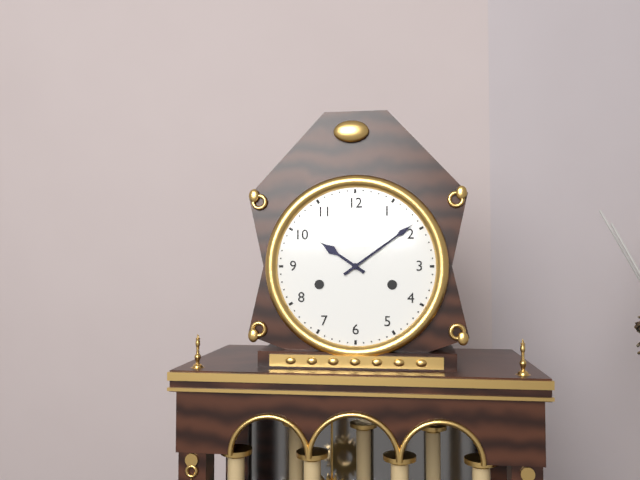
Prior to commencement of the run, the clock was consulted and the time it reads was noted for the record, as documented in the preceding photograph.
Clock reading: 10:09
